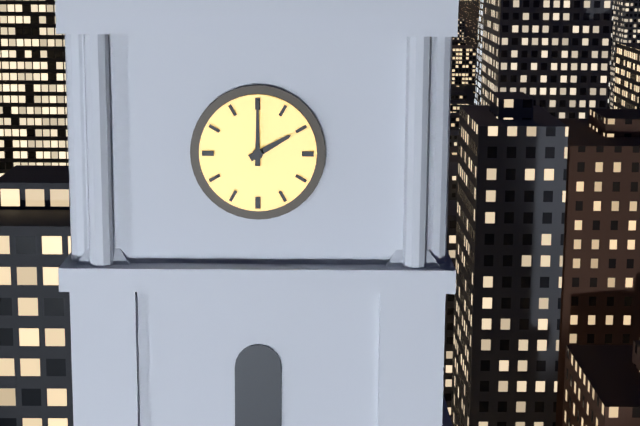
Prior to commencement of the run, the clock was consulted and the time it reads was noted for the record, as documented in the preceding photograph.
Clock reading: 2:00
